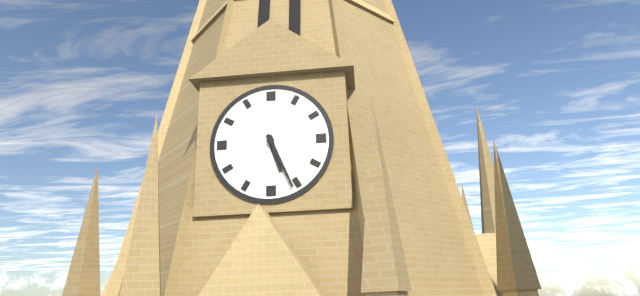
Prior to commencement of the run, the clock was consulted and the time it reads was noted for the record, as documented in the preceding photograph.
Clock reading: 5:26
